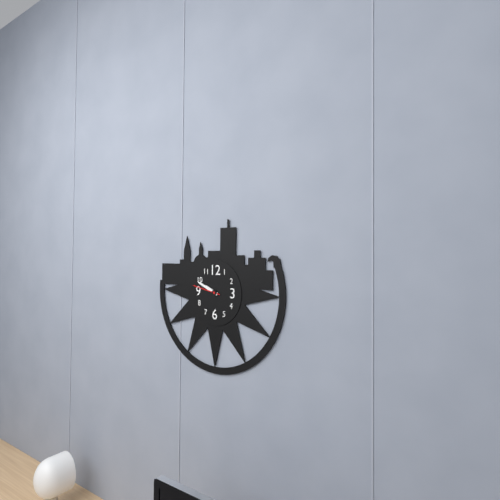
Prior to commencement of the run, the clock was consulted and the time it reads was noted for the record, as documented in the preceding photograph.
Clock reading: 9:49
